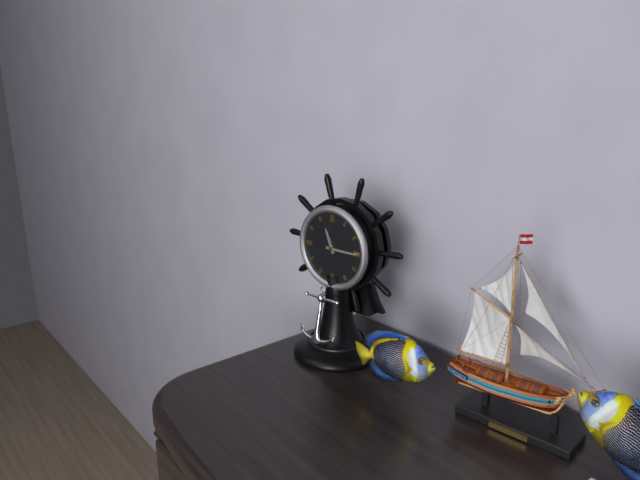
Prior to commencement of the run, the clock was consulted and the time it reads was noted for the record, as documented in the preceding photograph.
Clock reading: 11:15
